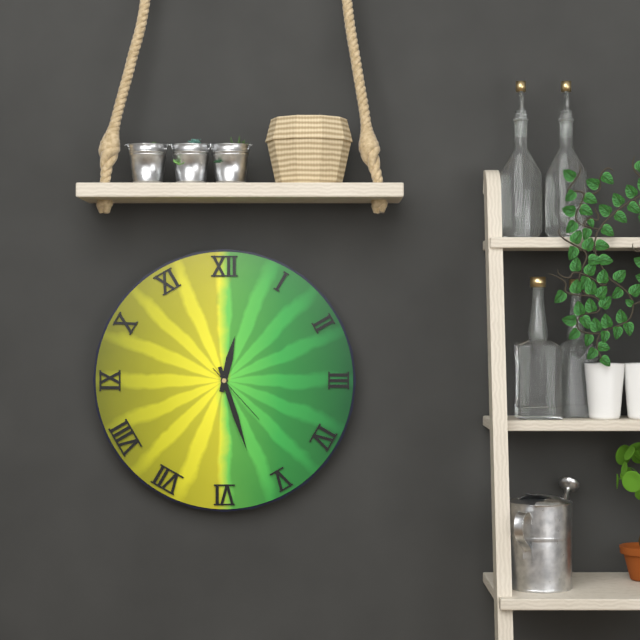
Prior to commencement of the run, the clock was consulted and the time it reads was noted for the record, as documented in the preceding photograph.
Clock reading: 12:27:23
